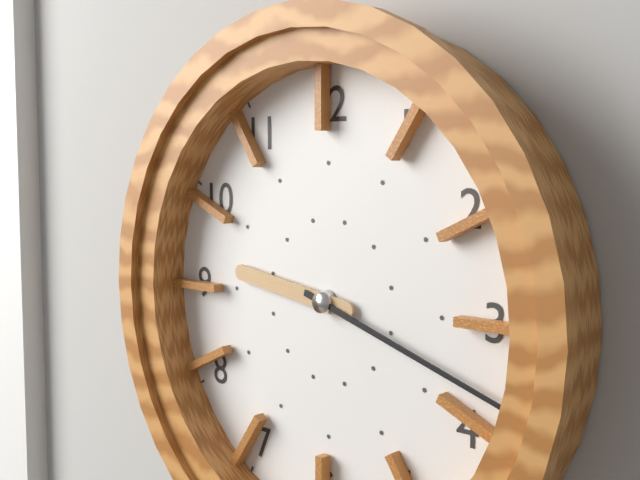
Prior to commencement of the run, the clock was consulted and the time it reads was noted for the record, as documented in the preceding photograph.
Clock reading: 9:18
